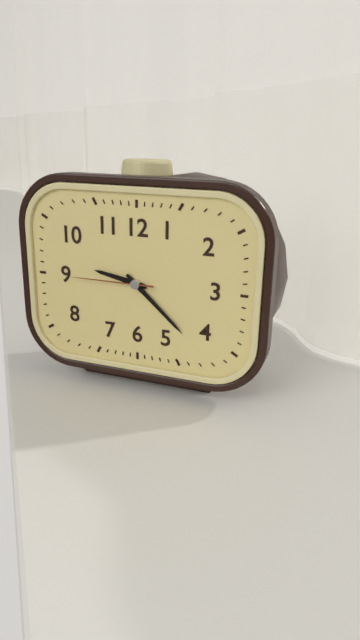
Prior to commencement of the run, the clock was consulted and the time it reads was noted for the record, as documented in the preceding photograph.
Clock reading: 9:22:45
